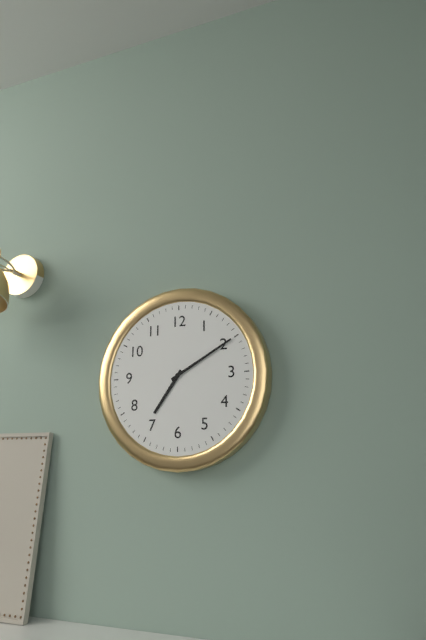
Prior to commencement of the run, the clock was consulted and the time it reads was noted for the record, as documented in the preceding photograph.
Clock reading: 7:10
